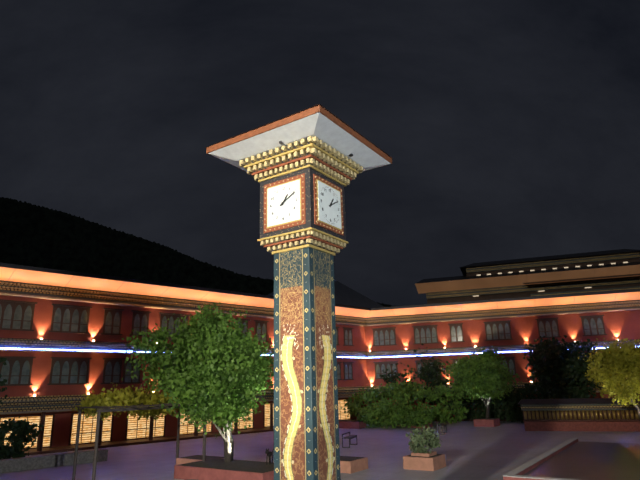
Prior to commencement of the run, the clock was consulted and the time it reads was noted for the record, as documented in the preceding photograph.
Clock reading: 1:10
